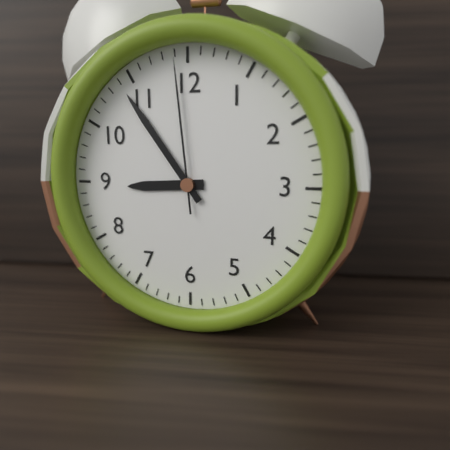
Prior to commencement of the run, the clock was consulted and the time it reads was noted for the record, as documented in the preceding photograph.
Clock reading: 8:54:59
